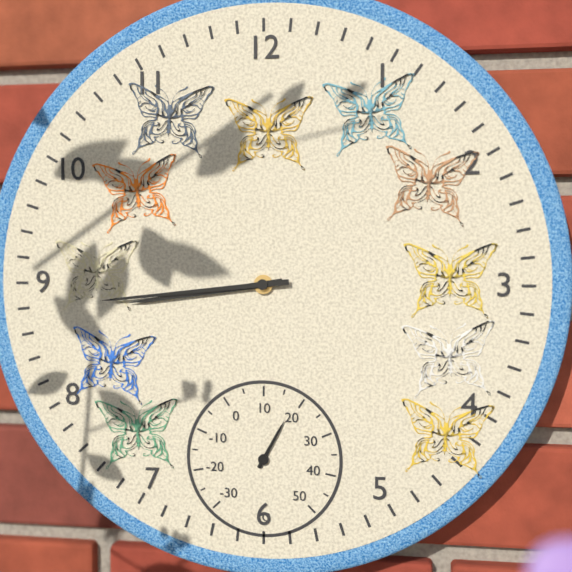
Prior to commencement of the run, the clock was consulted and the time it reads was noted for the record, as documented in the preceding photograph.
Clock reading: 8:44
